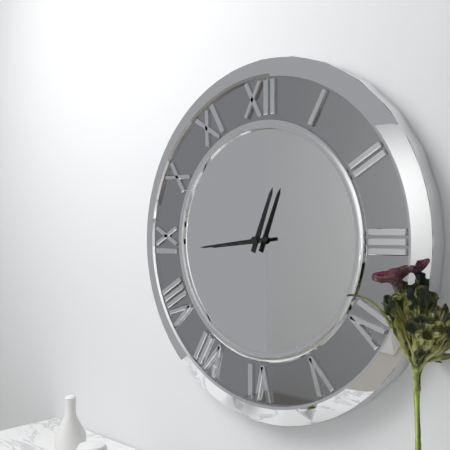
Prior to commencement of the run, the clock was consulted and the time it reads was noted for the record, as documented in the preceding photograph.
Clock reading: 12:44
